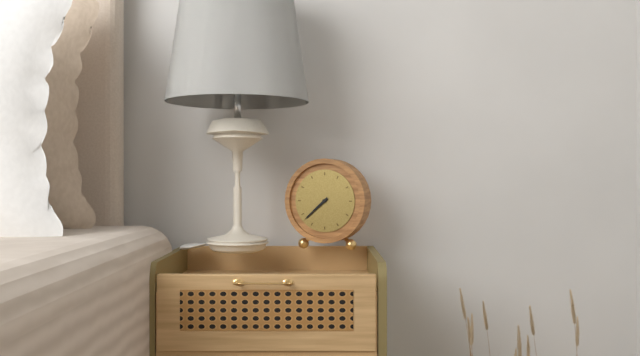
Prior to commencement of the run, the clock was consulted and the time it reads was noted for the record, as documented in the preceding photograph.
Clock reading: 7:38
